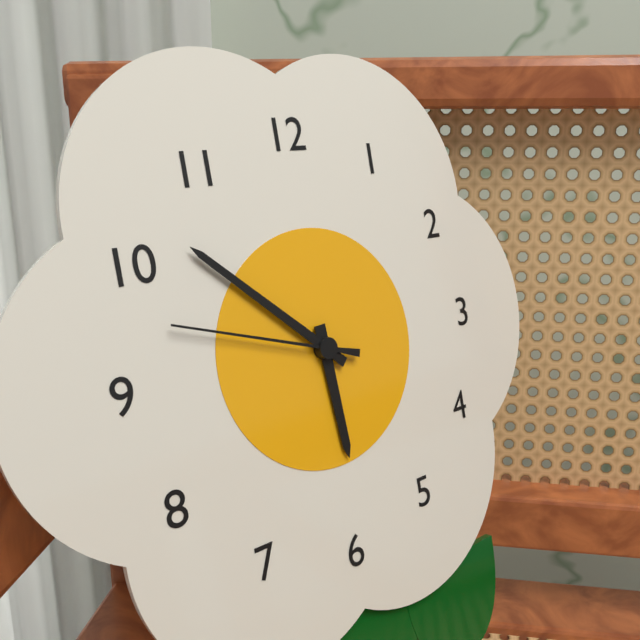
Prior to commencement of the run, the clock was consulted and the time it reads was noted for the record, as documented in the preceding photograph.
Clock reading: 5:52:48
